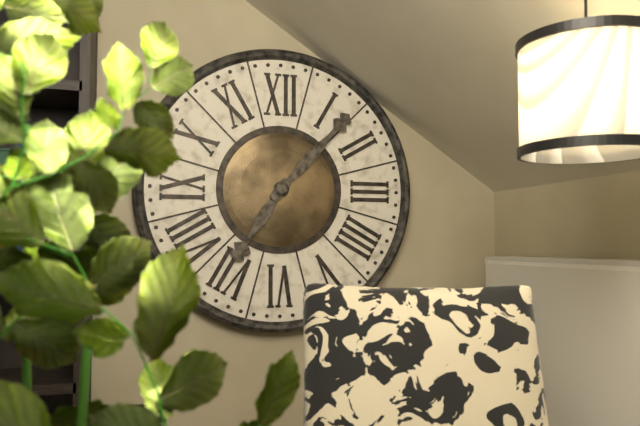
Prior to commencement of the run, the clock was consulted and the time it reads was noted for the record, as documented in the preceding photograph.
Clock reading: 7:07
